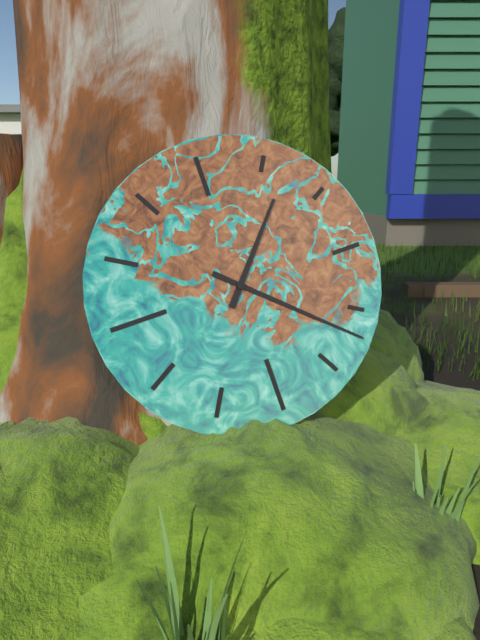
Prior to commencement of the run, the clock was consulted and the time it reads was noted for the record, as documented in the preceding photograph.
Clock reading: 1:22
